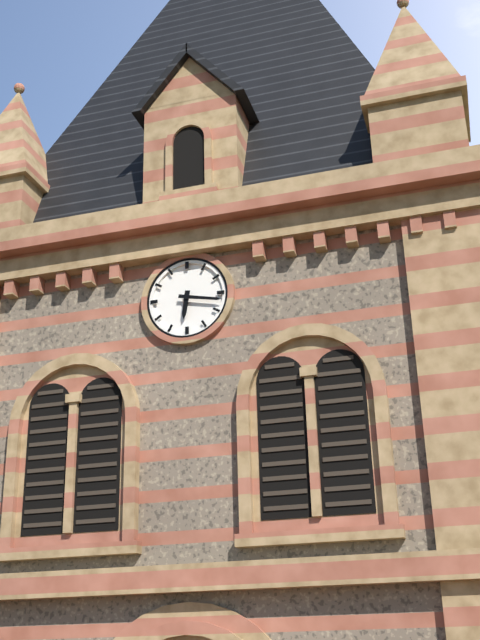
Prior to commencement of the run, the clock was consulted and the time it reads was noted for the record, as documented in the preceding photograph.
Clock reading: 6:17
